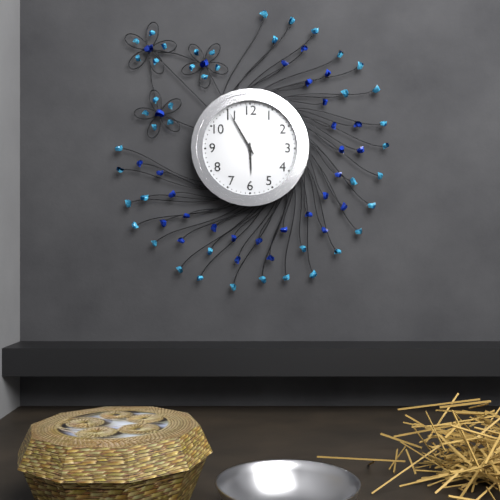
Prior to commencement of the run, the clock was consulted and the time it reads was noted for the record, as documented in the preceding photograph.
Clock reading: 5:55
